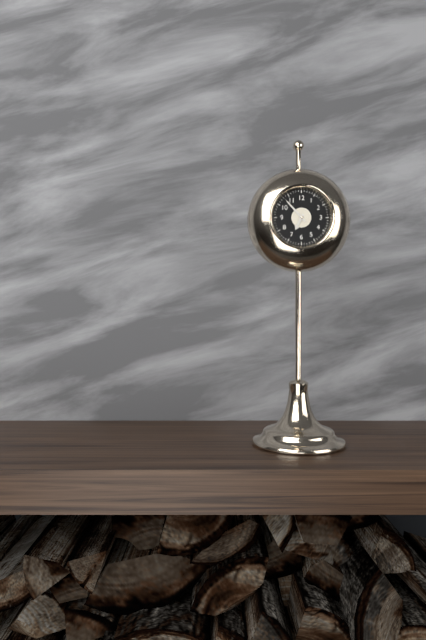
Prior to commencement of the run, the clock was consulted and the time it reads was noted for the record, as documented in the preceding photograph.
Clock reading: 6:53
